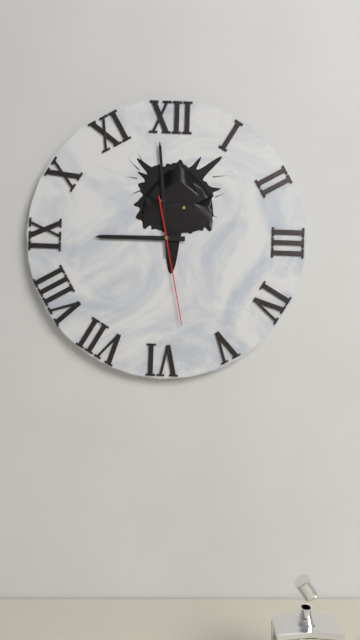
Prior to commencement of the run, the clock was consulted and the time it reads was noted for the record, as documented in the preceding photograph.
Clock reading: 8:59:28
